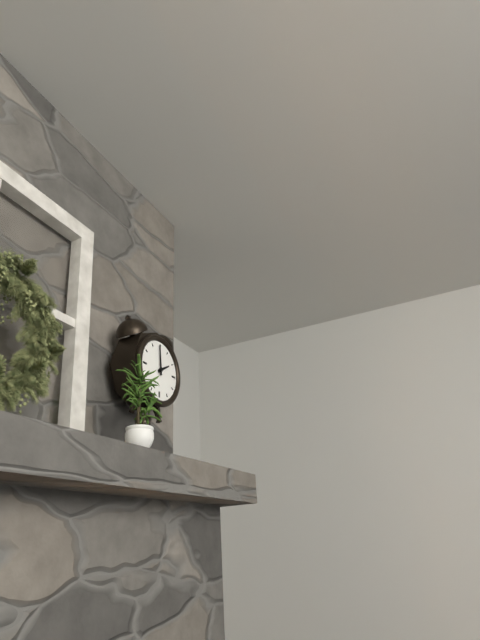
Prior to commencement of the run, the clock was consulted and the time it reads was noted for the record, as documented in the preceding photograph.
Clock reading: 1:59
